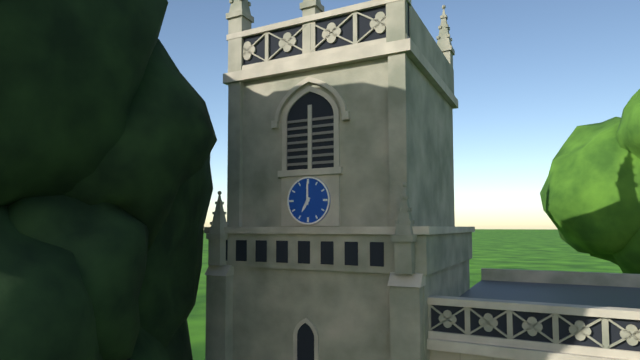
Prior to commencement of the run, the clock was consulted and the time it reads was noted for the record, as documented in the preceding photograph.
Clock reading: 7:00
